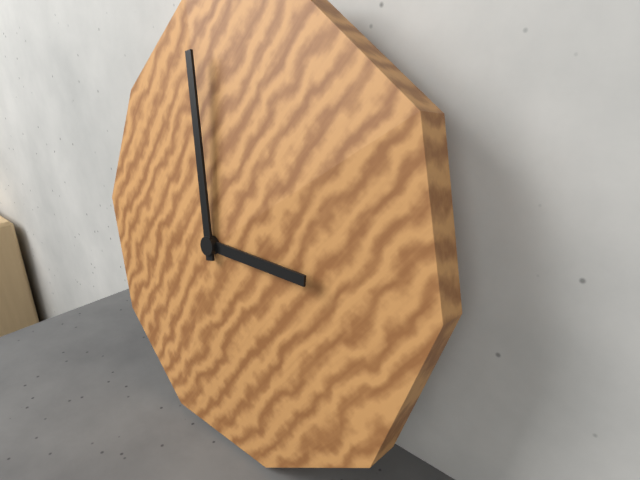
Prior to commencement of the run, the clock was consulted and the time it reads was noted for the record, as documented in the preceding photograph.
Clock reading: 2:58
